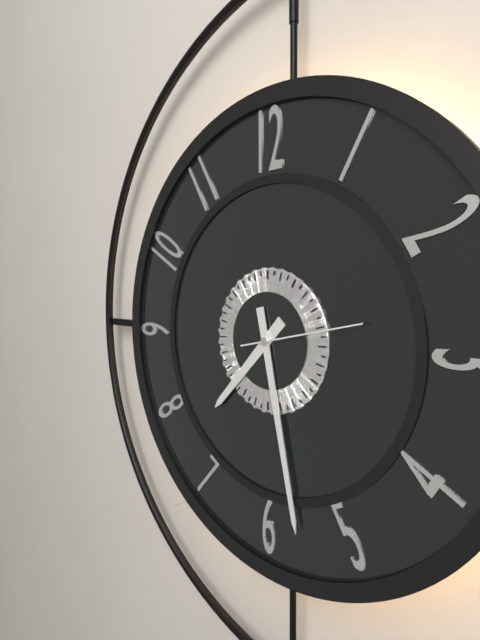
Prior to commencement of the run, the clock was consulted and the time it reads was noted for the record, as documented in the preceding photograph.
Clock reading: 7:28:13
